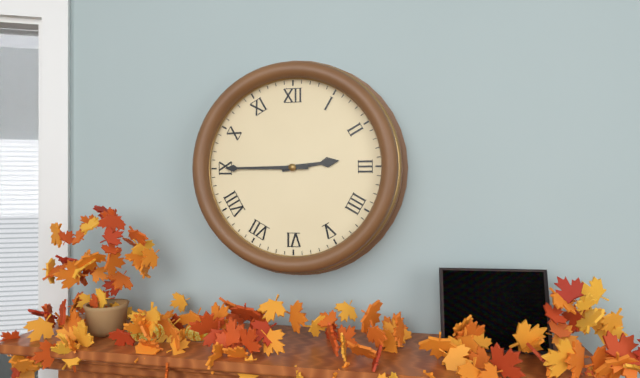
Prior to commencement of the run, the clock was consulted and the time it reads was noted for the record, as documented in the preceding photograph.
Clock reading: 2:45
